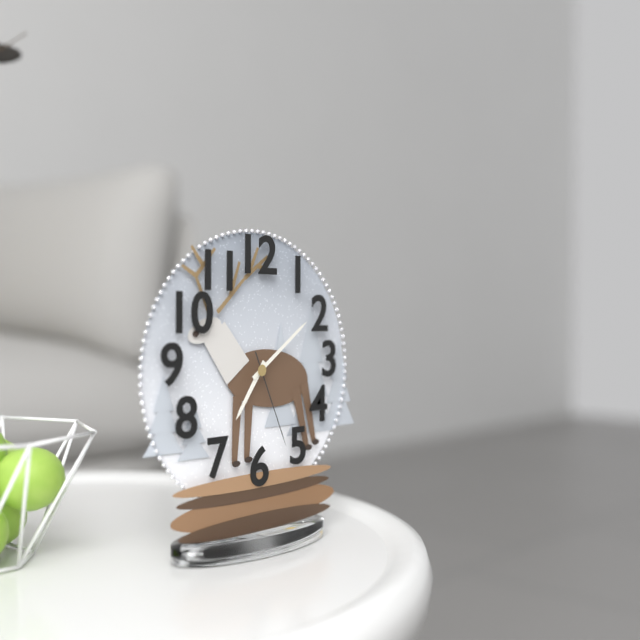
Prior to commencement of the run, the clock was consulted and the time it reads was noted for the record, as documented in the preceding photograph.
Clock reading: 7:09:26
